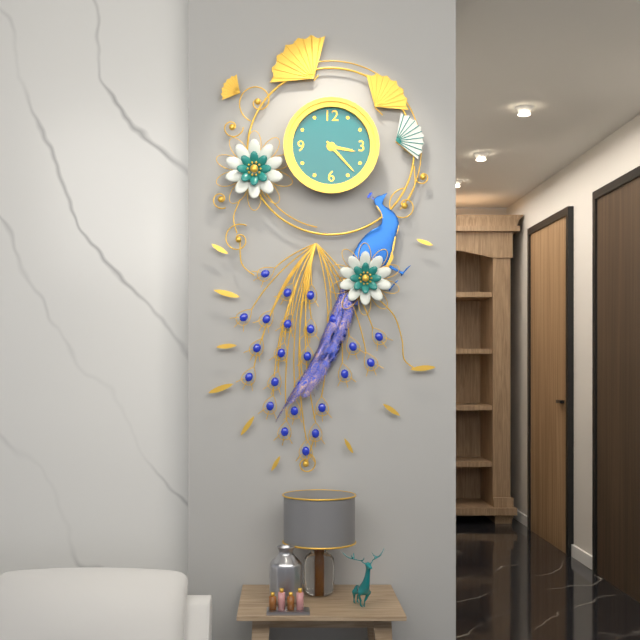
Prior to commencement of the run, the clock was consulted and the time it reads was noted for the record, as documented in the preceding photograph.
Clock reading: 3:23
